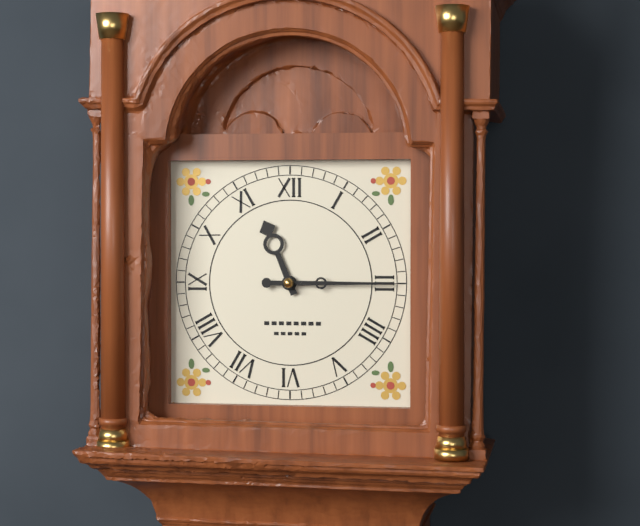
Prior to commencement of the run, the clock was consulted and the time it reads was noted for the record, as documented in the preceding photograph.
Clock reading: 11:15
